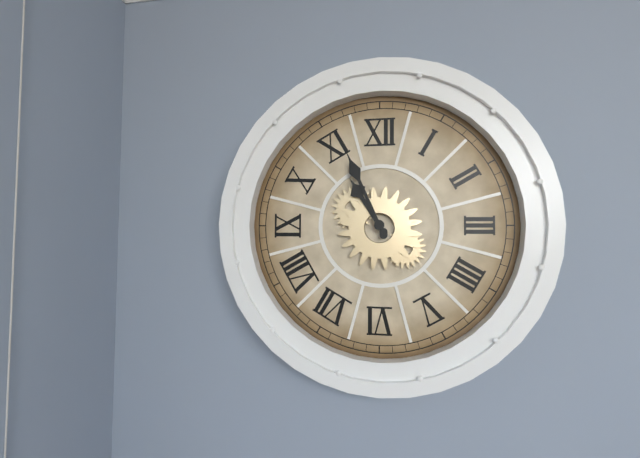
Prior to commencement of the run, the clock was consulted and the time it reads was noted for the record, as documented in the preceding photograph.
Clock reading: 10:56
